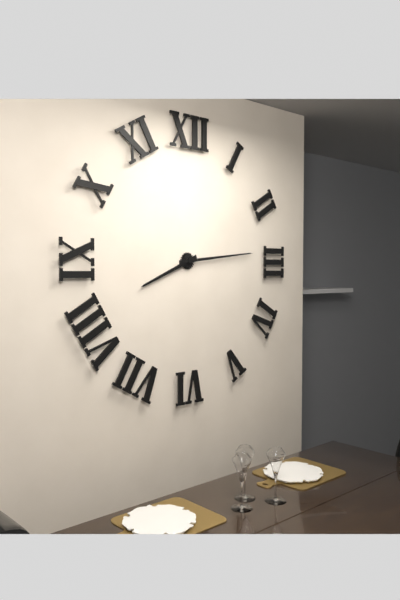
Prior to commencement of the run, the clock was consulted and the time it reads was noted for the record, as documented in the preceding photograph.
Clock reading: 8:14
